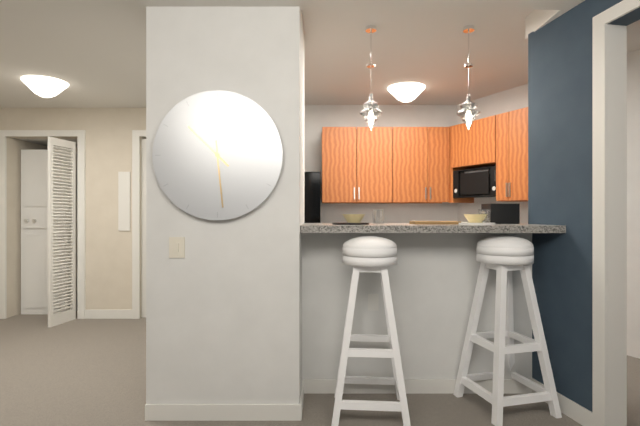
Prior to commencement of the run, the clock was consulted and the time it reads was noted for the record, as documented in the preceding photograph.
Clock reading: 10:29
